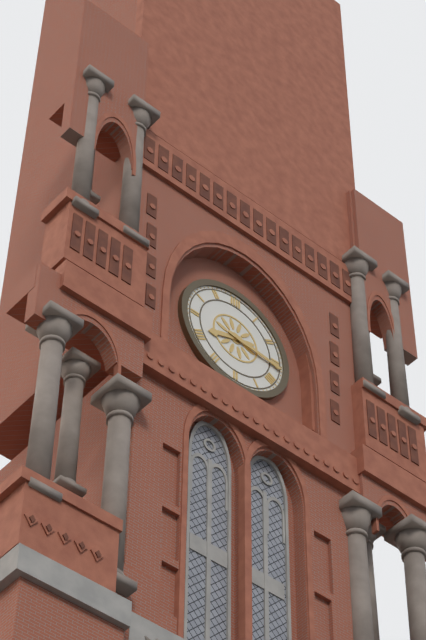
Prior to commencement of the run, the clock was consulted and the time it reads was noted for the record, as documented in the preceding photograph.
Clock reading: 8:16
